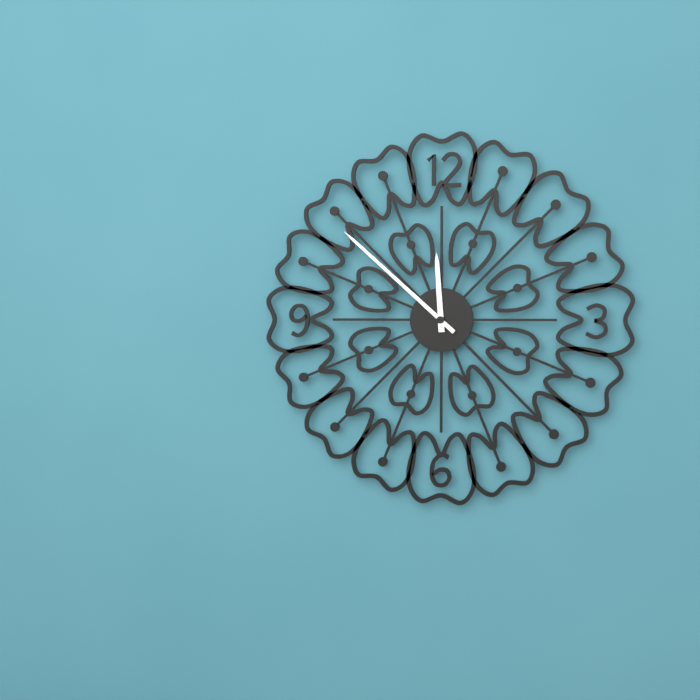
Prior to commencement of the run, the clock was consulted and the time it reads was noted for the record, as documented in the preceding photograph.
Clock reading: 11:52
